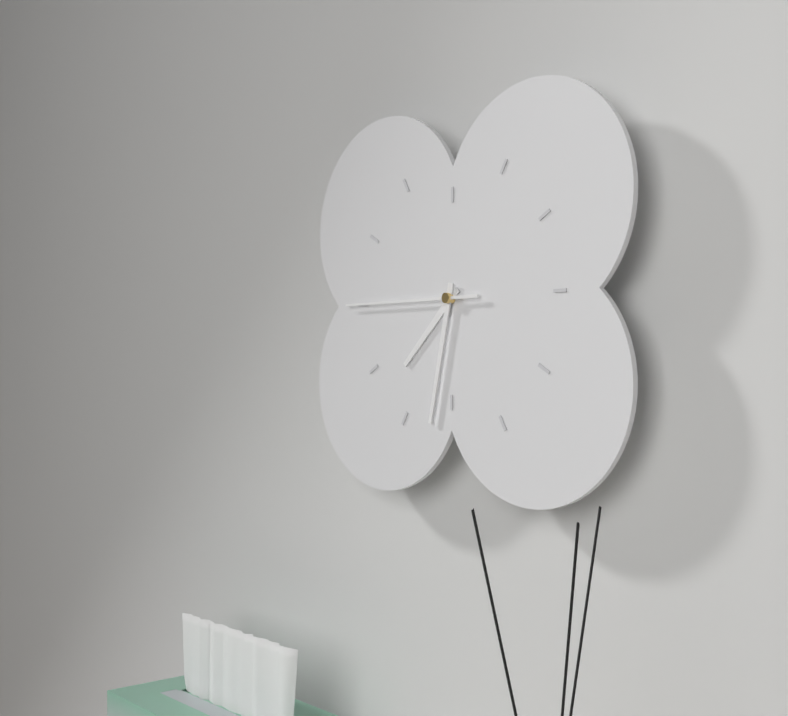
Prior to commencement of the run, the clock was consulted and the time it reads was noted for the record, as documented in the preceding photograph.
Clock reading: 7:32:45
